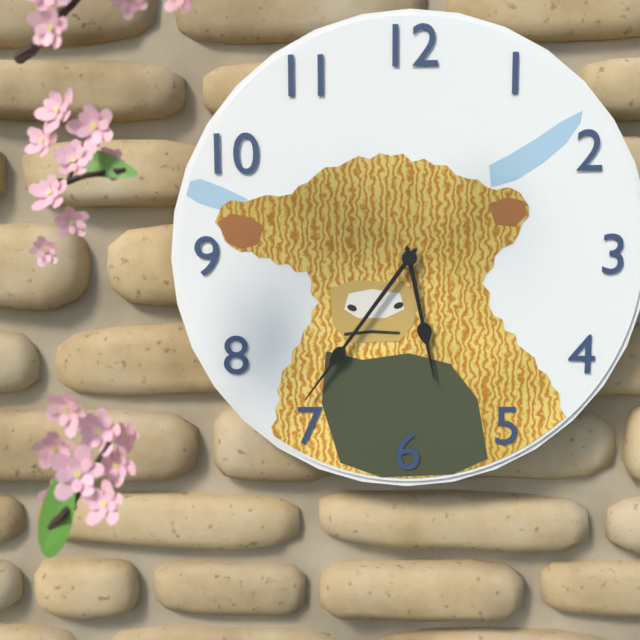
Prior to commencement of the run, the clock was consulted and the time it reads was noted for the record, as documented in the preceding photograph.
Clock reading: 5:36
